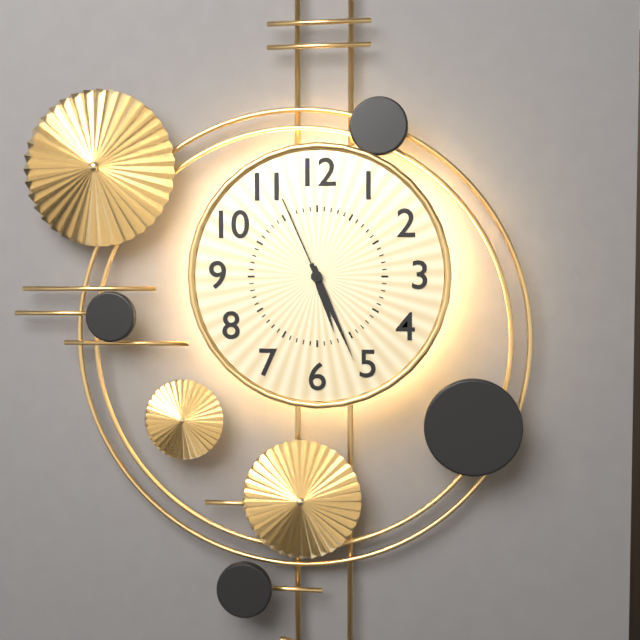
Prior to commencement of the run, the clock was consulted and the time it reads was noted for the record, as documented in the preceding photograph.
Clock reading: 5:26:56
